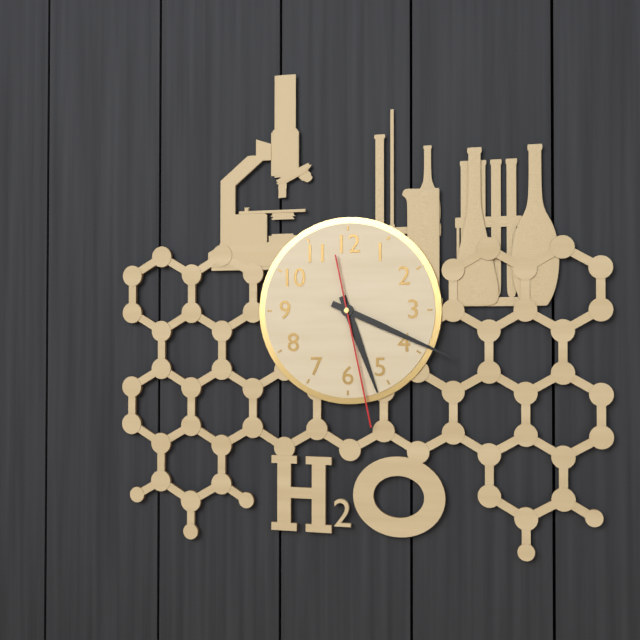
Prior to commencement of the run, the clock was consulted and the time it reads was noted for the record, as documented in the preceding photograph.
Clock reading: 5:19:28
